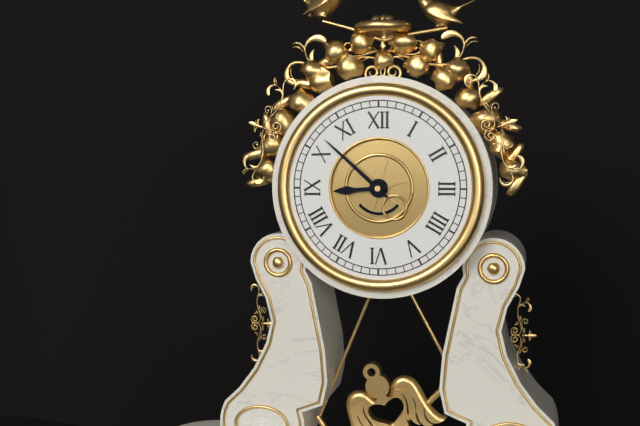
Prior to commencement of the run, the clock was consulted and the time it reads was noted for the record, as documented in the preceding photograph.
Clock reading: 8:52
